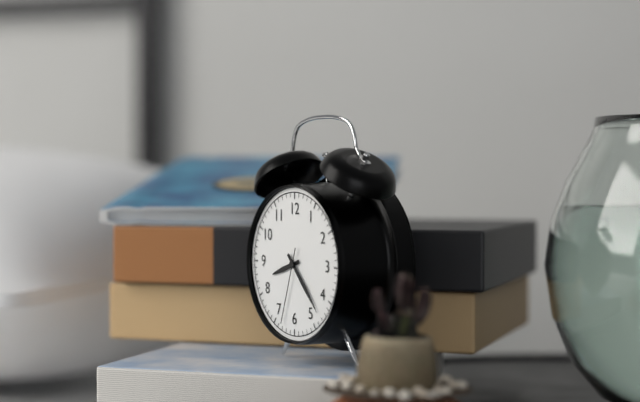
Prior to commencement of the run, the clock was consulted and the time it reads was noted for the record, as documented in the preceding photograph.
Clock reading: 8:23:33
